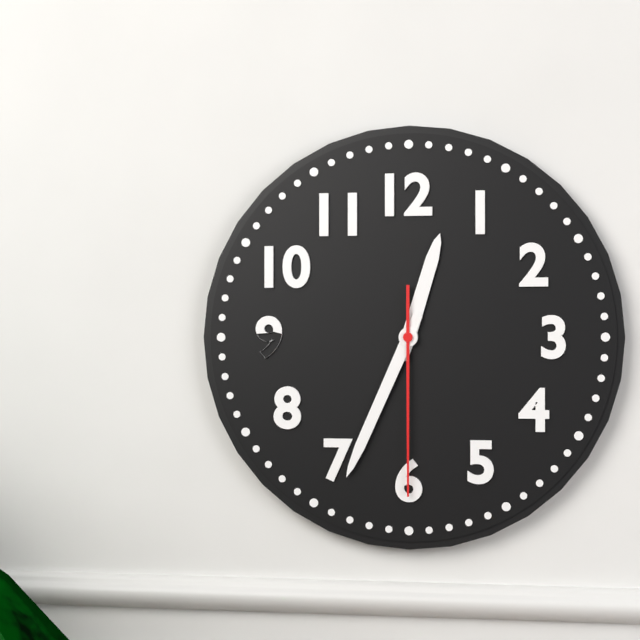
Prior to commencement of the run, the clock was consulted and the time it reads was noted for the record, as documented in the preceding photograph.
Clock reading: 12:34:30
